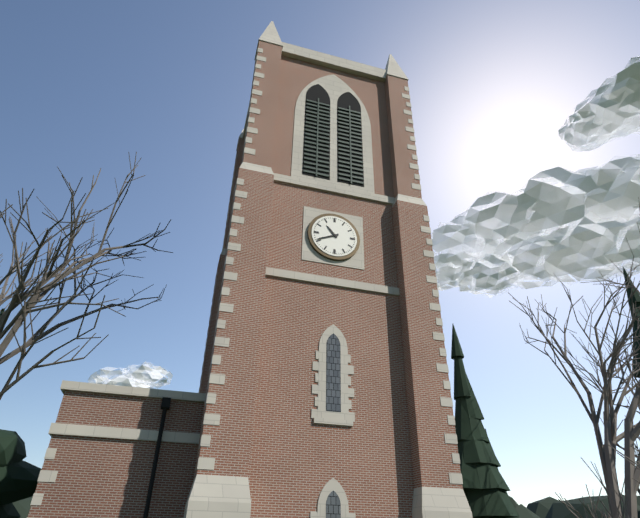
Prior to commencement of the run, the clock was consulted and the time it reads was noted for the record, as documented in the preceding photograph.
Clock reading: 10:41
